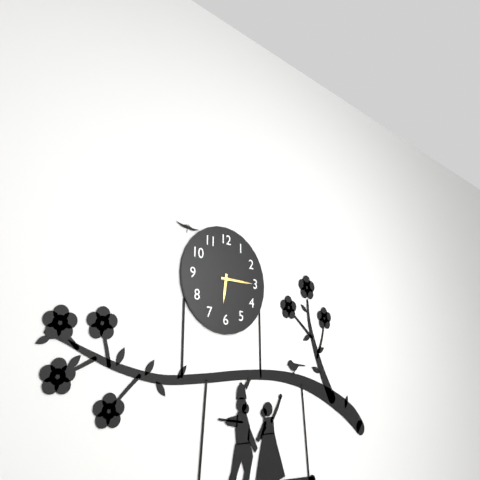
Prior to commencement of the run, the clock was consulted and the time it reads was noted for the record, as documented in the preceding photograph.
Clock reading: 6:15
